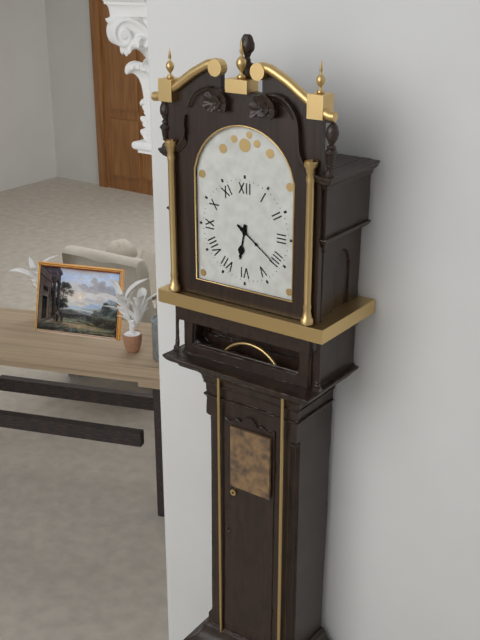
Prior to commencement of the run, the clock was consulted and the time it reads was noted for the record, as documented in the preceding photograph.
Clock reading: 6:21
